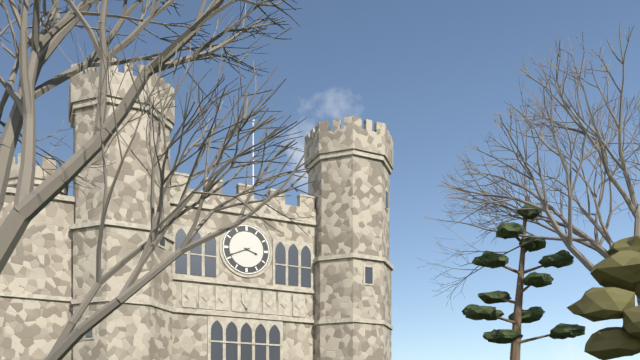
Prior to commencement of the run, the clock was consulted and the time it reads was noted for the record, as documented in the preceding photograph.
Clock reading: 3:41
